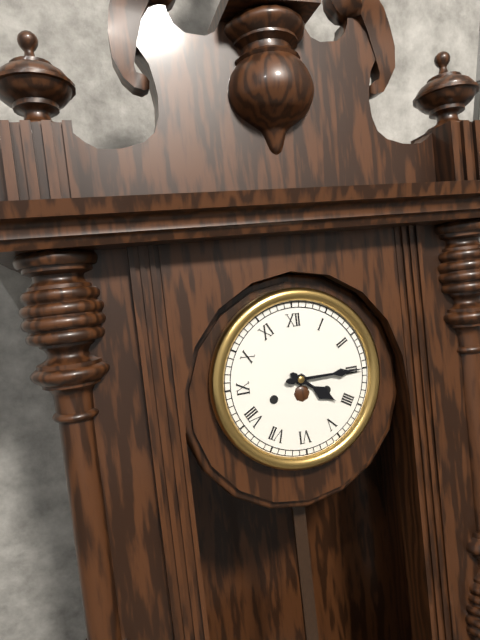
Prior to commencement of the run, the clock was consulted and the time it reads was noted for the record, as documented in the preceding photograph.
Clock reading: 4:15
